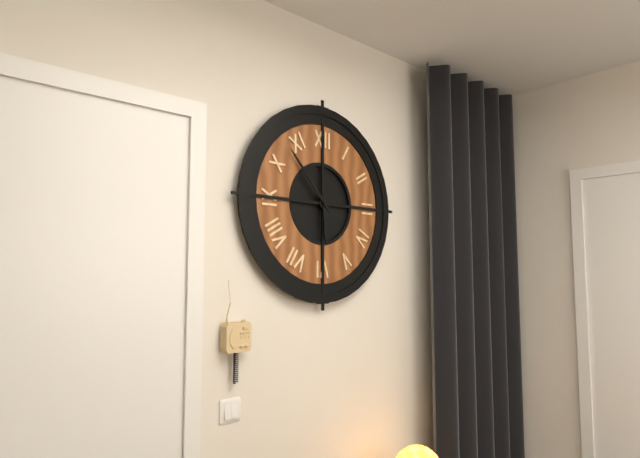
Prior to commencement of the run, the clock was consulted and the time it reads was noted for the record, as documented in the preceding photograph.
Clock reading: 5:53
